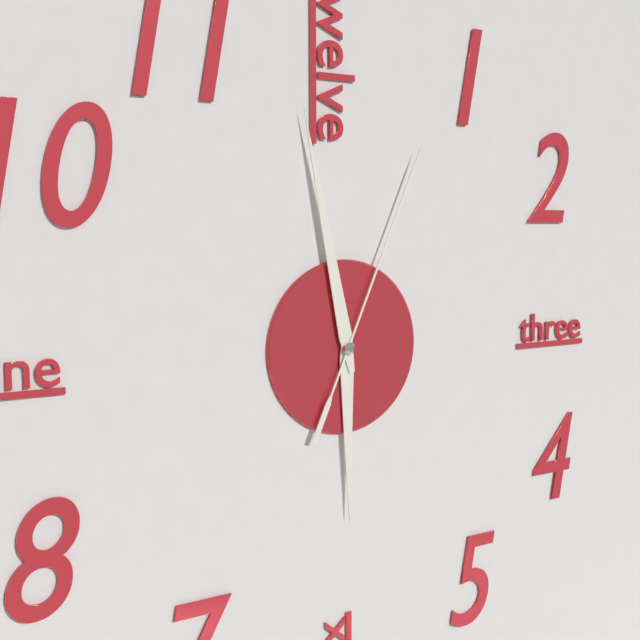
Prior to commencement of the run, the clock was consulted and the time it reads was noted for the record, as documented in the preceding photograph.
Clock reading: 5:58:04
